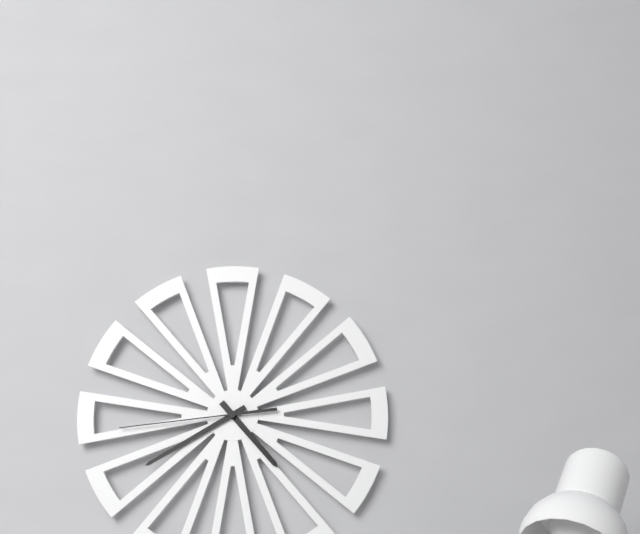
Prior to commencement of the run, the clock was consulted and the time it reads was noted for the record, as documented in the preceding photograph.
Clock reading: 4:40:44
